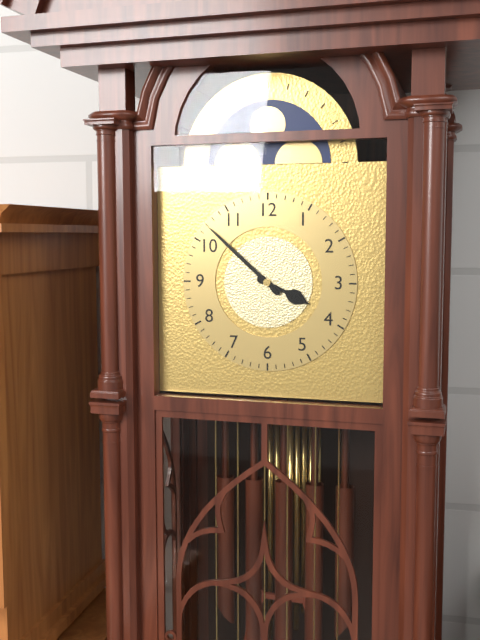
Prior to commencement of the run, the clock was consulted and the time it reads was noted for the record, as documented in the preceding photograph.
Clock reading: 3:52
